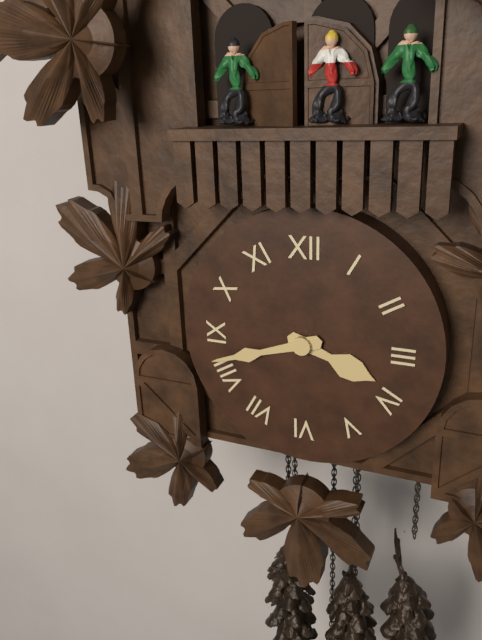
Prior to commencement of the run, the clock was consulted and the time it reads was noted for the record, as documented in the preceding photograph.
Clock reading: 3:42
